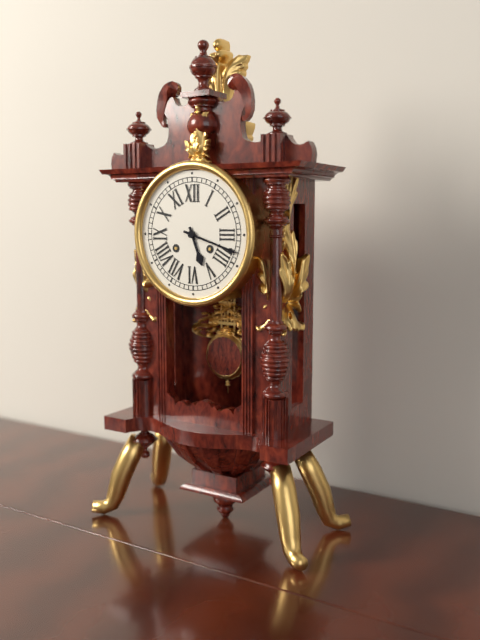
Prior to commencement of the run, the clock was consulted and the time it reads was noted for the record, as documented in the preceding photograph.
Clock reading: 5:18
